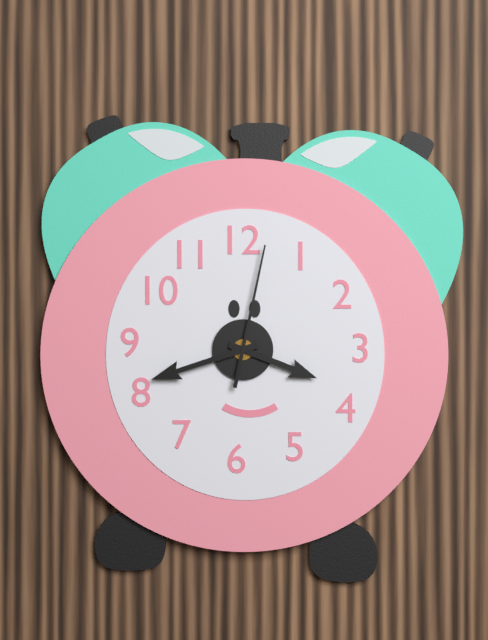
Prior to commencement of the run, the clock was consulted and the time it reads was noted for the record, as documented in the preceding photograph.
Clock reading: 3:42:02
